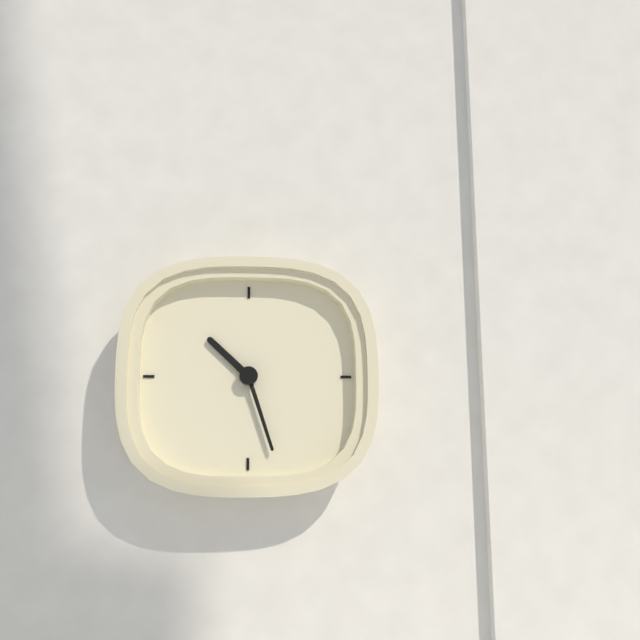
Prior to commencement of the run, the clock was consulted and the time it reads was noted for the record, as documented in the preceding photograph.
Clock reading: 10:27
